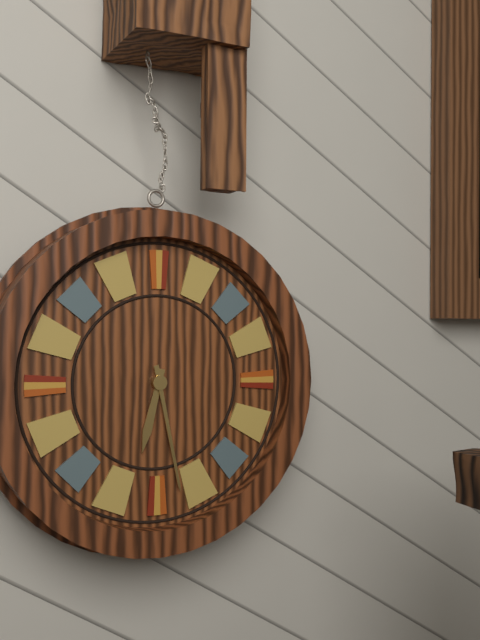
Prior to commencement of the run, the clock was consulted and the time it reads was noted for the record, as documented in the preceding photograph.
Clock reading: 6:28
